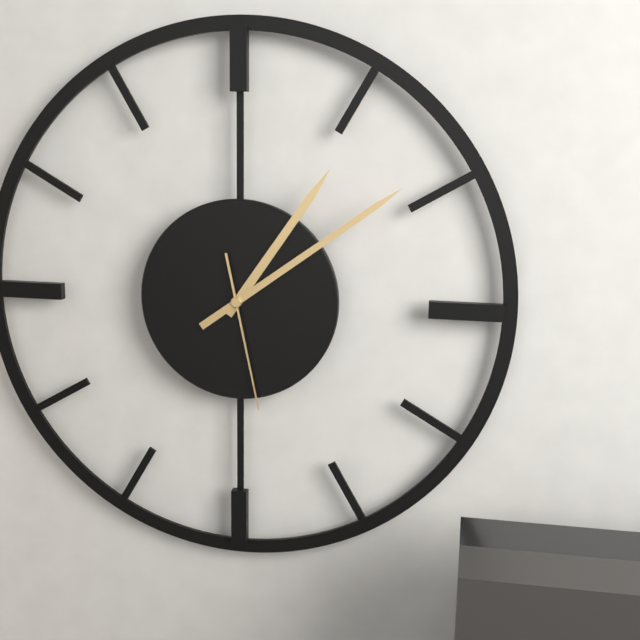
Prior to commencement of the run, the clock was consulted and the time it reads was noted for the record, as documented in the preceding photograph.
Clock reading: 1:09:28
